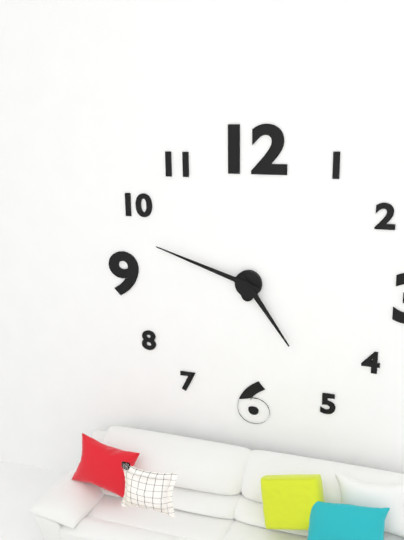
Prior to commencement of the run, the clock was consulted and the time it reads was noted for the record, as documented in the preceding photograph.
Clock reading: 4:48
